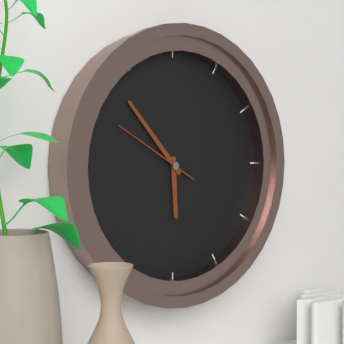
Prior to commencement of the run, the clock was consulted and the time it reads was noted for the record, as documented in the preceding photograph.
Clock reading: 5:53:50
